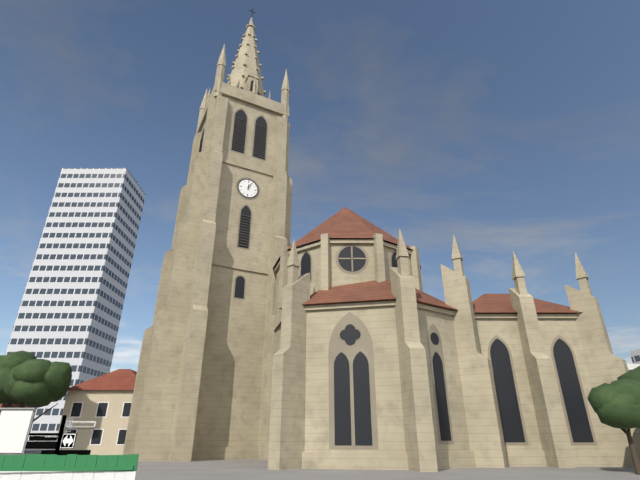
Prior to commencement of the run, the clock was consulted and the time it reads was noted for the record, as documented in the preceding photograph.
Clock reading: 12:04
